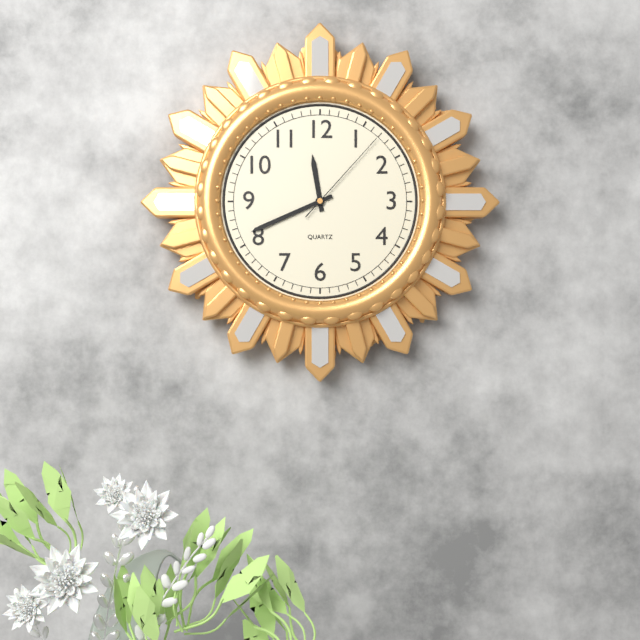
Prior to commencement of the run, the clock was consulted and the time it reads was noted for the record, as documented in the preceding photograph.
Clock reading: 11:41:07
